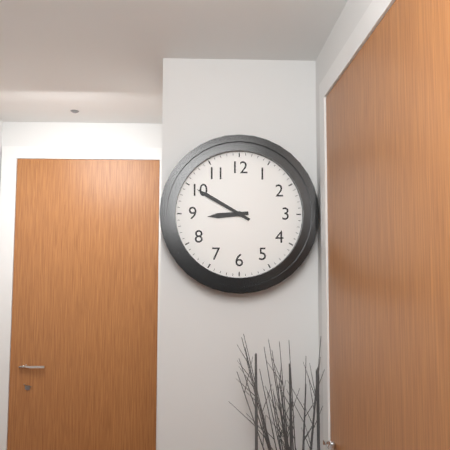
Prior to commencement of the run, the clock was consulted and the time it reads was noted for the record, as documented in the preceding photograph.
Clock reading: 8:50
